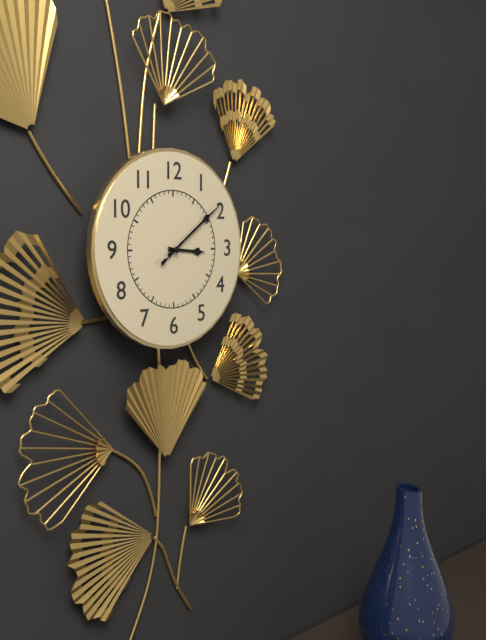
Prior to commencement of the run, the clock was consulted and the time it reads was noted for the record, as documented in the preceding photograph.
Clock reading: 3:09:09
